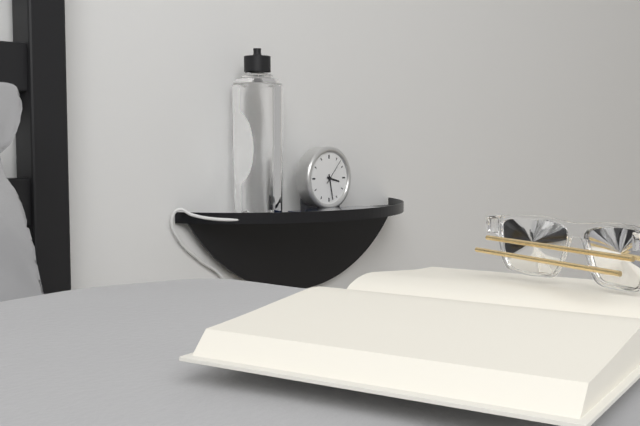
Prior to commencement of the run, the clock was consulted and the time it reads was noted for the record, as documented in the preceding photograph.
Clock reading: 3:28
